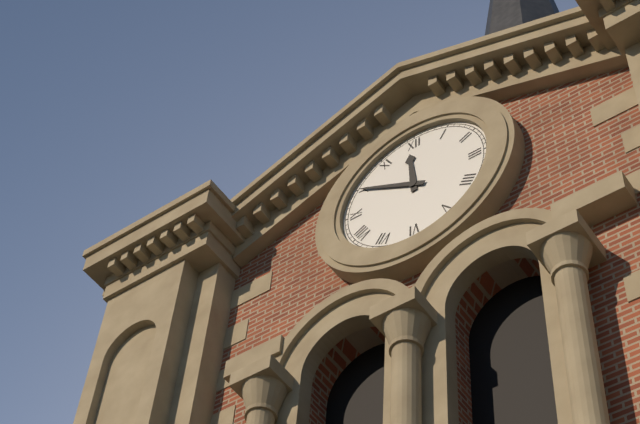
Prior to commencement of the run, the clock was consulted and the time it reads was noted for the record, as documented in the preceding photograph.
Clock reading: 11:50
